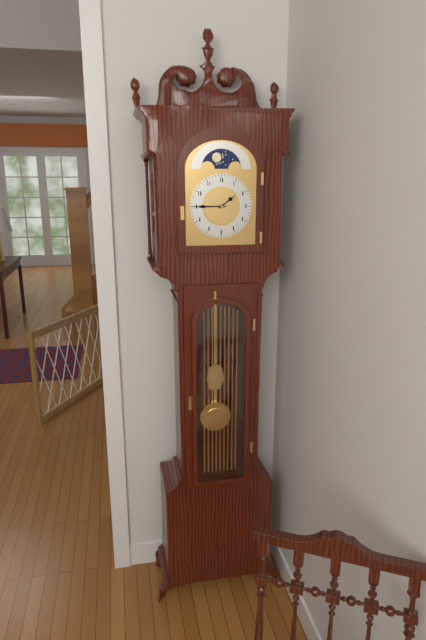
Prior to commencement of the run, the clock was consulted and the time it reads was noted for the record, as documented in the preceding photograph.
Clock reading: 1:45
